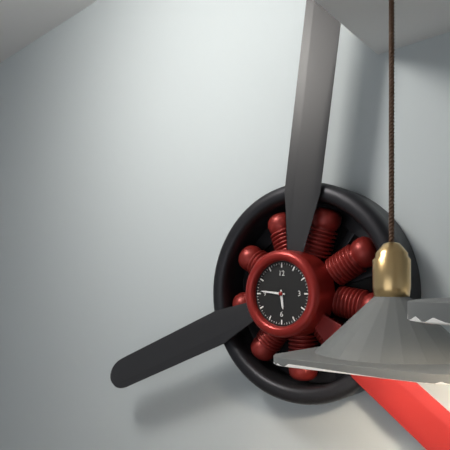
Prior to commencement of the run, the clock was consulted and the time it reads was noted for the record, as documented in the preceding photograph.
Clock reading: 5:46
